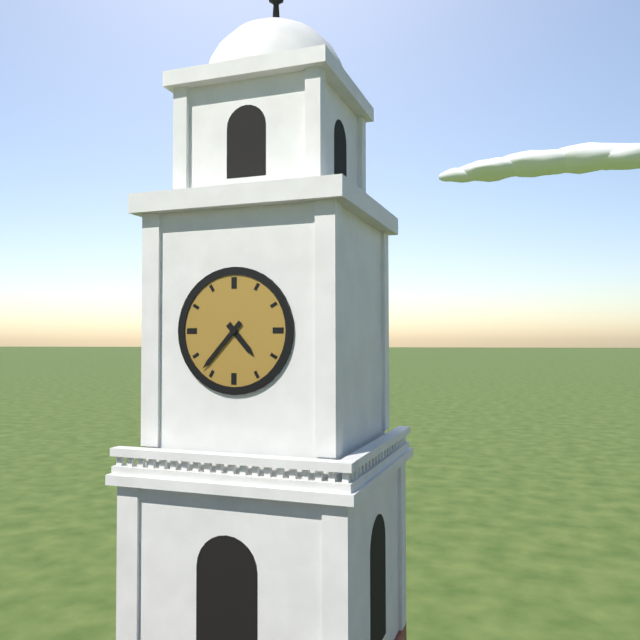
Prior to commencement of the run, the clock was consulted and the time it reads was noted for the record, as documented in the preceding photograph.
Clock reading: 4:37
